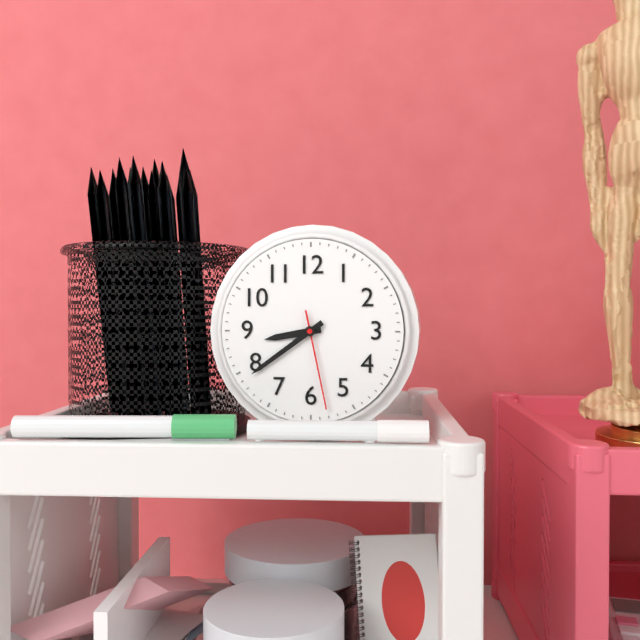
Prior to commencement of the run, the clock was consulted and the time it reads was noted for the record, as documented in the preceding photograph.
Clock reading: 8:39:28
